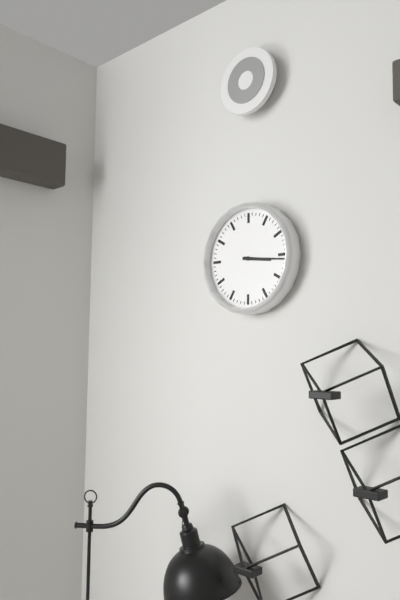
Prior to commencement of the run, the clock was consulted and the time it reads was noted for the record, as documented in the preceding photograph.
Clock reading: 3:16
